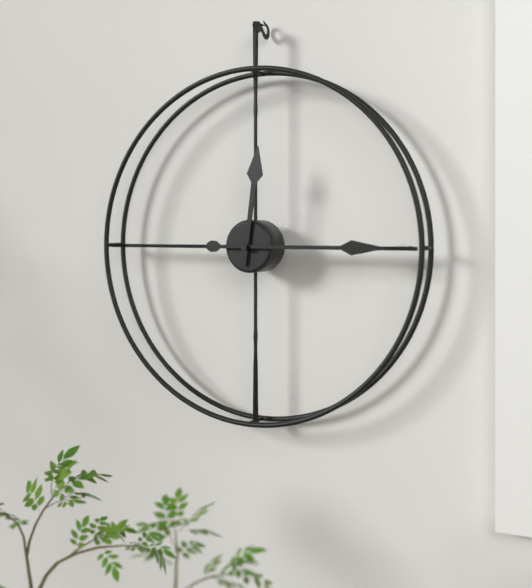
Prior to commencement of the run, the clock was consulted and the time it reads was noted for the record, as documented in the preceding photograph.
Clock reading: 12:15
